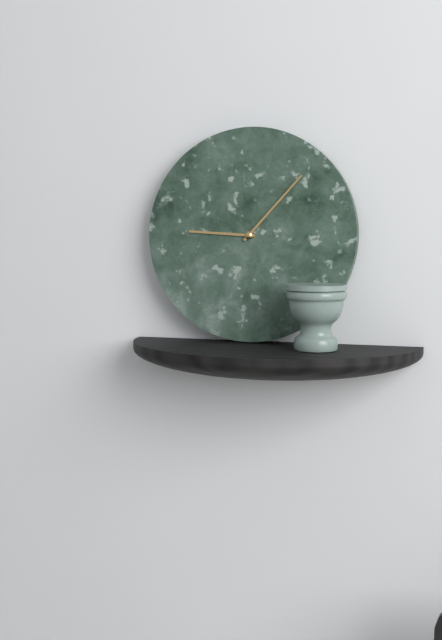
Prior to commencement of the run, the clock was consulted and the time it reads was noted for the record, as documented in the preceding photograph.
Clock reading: 9:07
